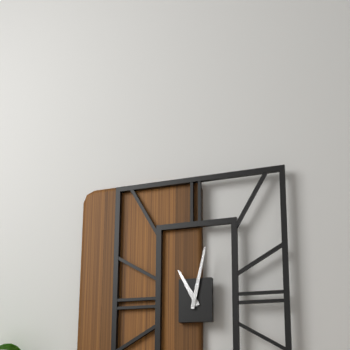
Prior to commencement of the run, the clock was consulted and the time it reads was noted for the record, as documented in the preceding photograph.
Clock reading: 11:02
